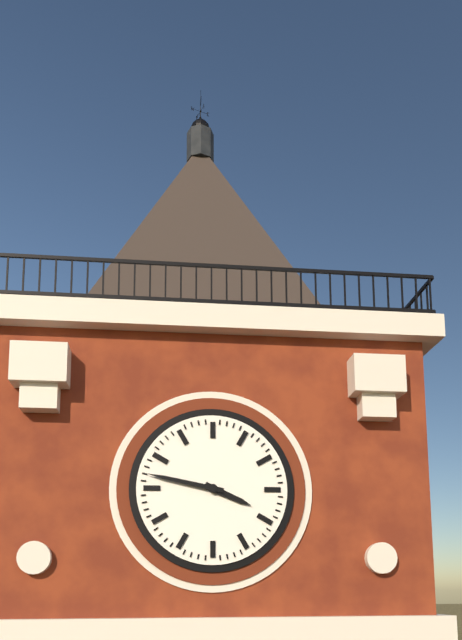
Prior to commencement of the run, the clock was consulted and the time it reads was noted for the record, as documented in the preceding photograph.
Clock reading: 3:47
